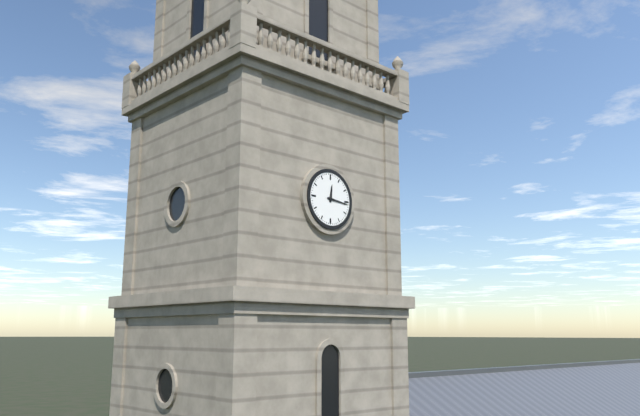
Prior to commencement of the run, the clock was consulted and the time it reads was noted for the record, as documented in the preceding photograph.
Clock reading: 12:16
